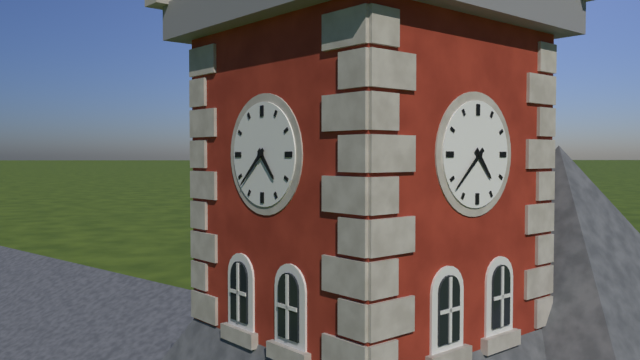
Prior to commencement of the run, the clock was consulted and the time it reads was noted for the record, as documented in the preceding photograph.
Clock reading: 4:38
